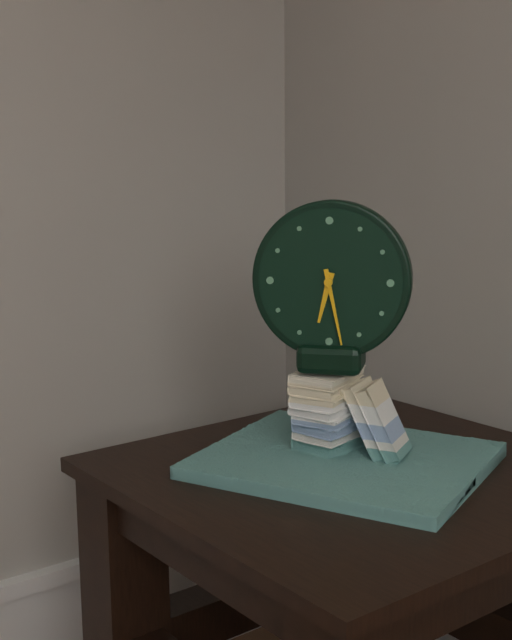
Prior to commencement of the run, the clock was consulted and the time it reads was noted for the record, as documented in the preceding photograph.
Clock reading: 6:28
